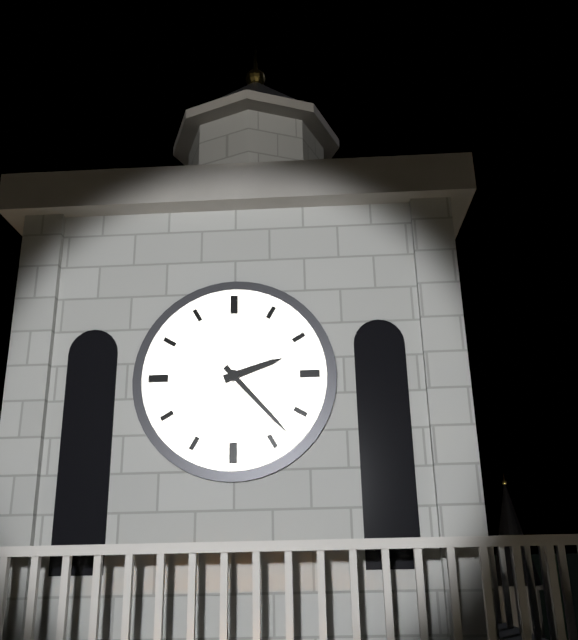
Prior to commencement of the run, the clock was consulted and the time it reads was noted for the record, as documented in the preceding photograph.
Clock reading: 2:23
